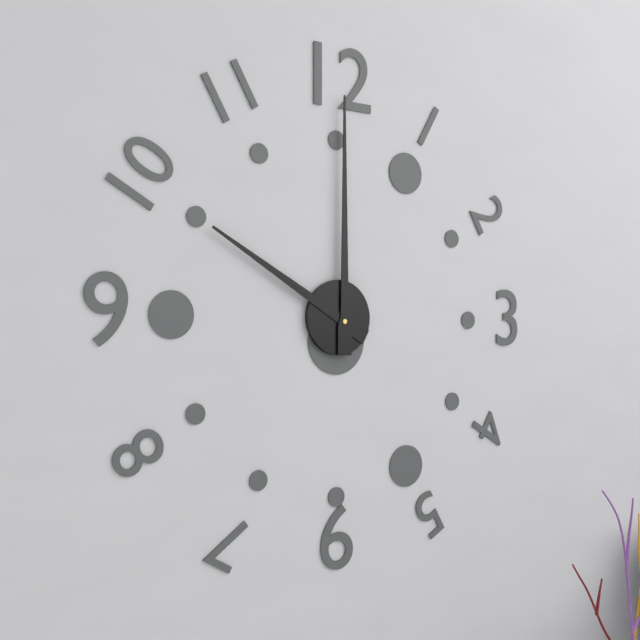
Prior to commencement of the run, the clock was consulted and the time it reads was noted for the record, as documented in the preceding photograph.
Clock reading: 10:00
